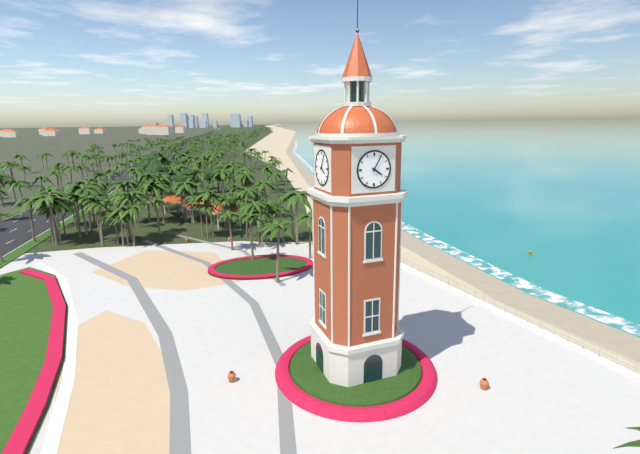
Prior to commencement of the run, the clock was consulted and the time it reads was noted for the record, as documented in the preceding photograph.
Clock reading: 4:05
